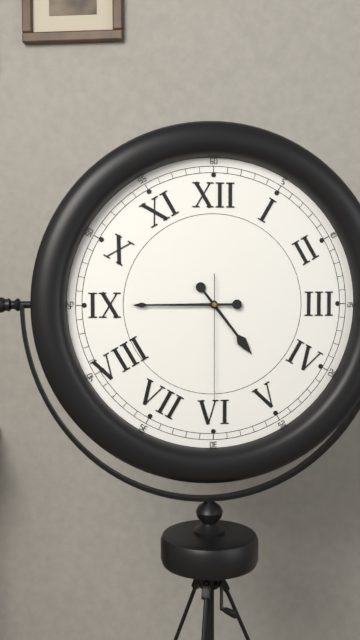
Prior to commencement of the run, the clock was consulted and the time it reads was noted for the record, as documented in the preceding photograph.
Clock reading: 4:45:30
